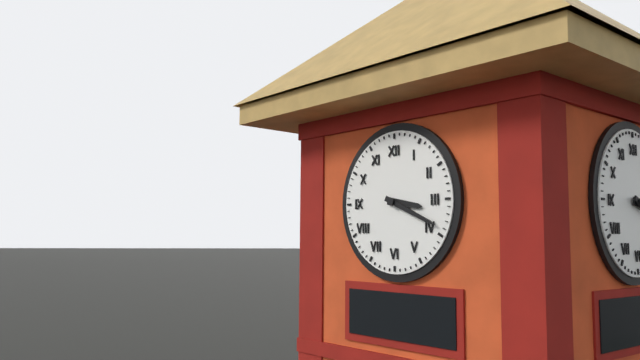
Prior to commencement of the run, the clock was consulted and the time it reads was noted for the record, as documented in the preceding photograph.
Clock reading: 3:19
